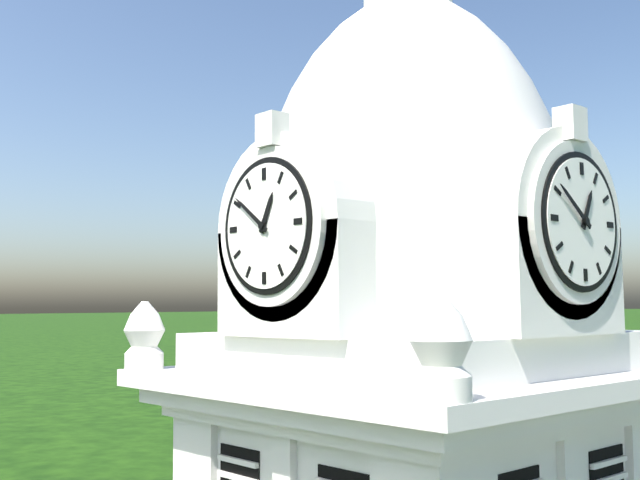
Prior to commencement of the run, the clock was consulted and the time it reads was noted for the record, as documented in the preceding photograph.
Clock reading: 12:51
